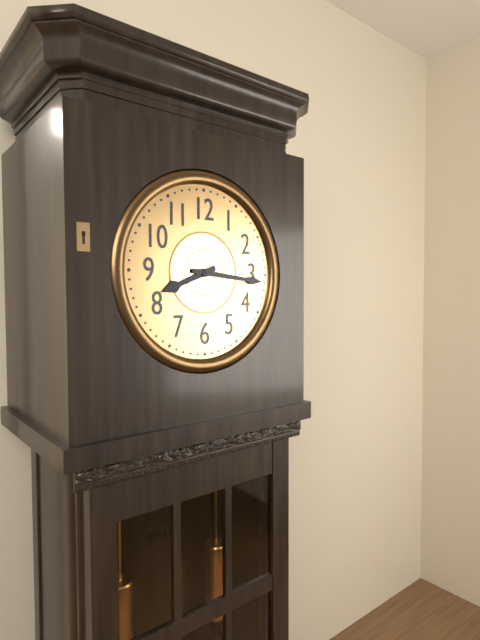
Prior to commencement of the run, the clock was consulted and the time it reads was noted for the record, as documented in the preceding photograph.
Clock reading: 8:16
